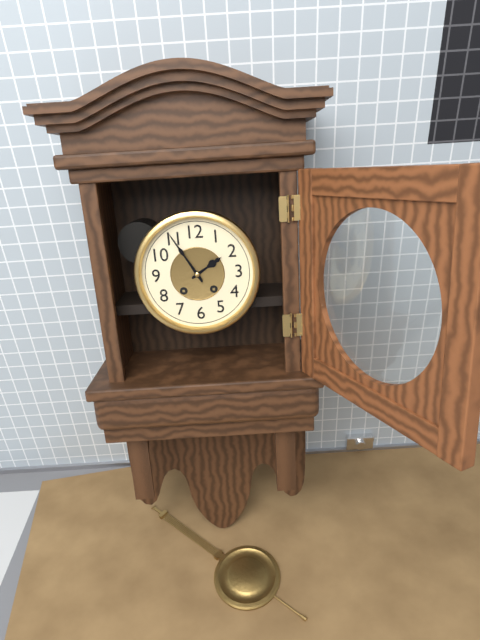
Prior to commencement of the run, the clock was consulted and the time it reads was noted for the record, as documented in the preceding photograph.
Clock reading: 1:55
